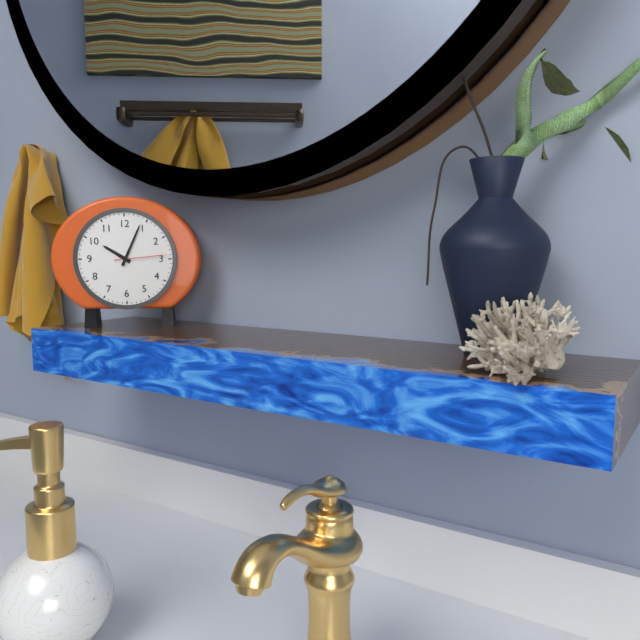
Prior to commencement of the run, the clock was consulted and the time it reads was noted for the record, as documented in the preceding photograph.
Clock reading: 10:04:14
